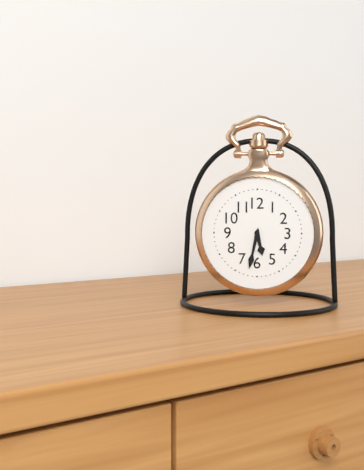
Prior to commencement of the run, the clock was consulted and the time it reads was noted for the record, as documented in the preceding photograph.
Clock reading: 5:32
